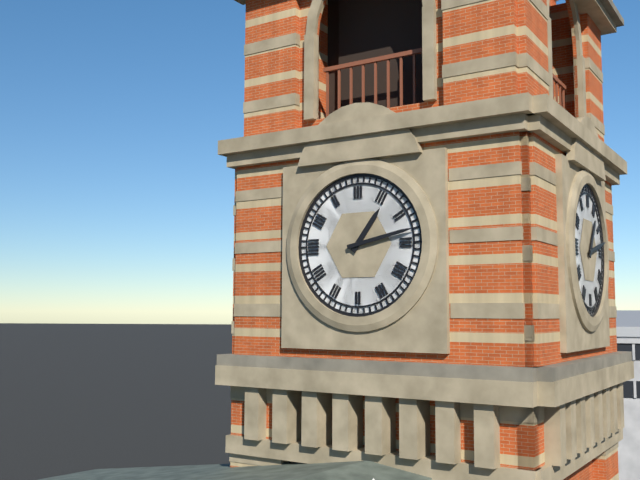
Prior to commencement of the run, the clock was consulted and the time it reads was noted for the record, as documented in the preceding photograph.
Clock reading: 1:13
